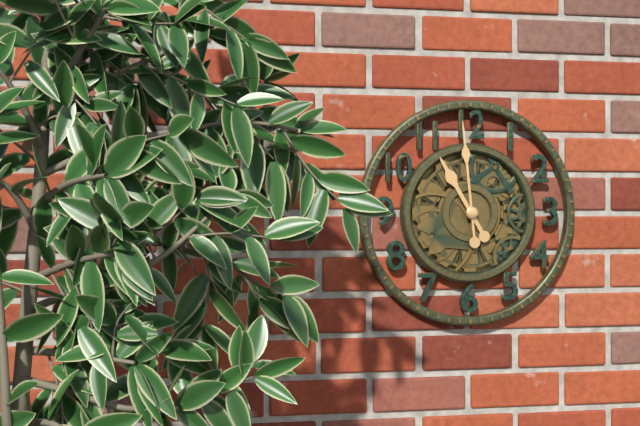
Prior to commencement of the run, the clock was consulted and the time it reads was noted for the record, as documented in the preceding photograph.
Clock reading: 10:59
